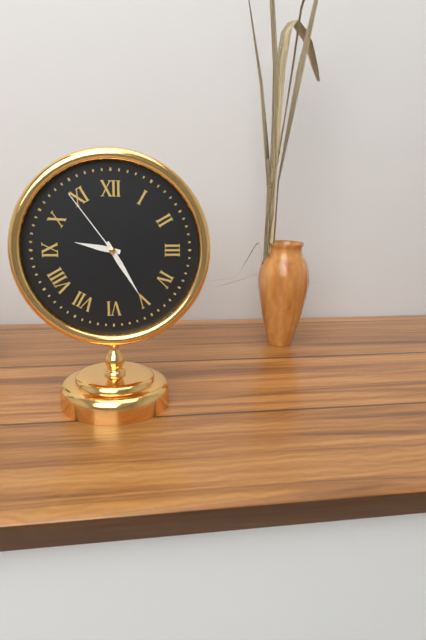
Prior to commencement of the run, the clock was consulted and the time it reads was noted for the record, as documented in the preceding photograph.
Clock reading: 9:25:54
